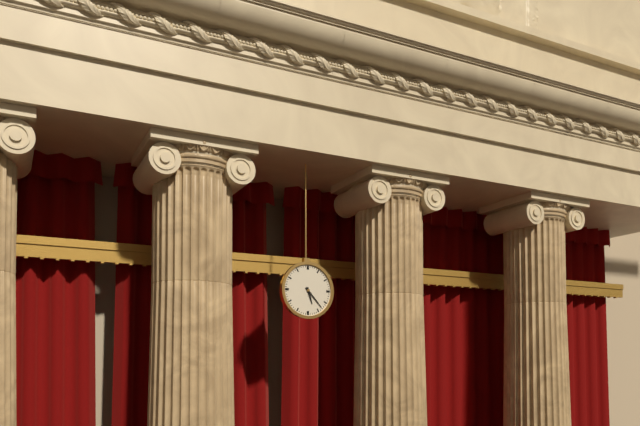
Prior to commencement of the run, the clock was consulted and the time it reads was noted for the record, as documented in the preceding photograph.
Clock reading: 5:23
